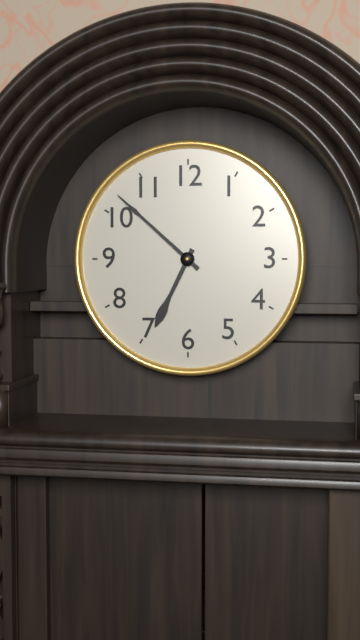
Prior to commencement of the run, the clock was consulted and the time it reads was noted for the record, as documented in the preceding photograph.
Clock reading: 6:52
